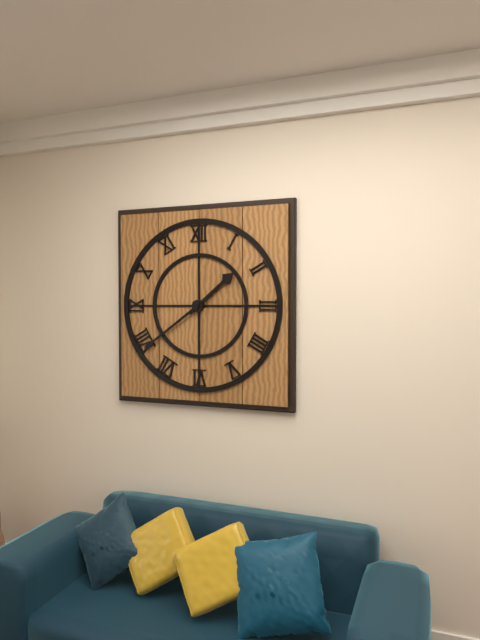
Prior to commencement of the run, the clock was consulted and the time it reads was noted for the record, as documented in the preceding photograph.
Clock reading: 1:39
